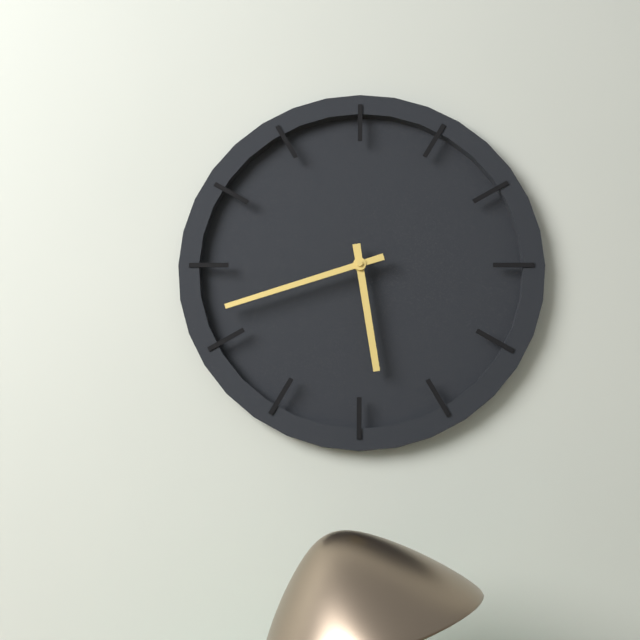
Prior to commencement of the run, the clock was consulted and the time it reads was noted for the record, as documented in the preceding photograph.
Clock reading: 5:42
